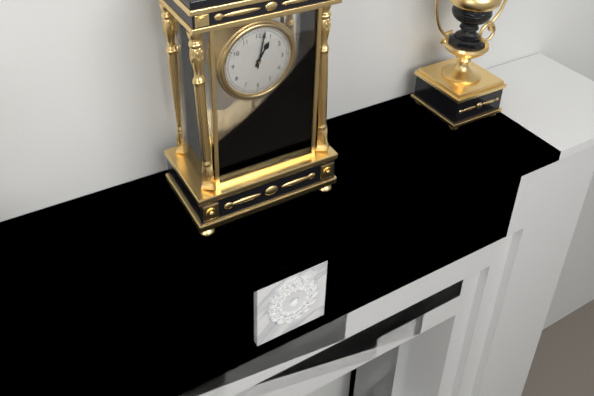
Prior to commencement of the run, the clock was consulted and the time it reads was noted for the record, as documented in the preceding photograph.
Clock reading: 1:02
